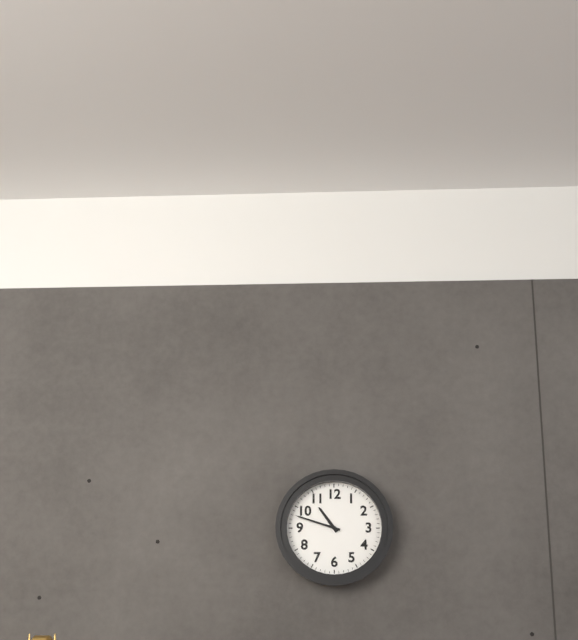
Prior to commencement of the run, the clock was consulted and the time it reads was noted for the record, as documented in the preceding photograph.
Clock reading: 10:48
